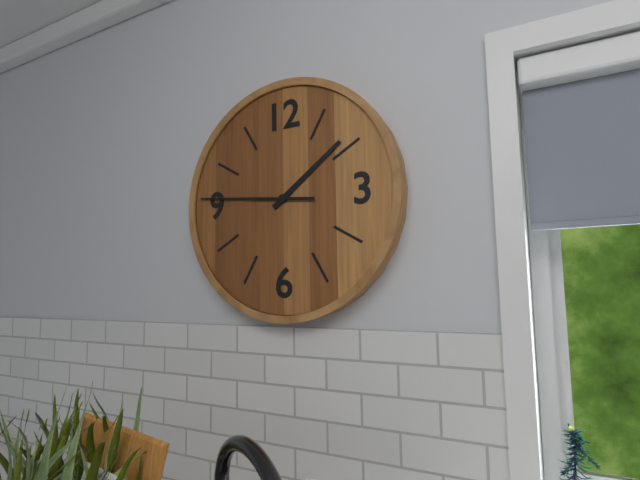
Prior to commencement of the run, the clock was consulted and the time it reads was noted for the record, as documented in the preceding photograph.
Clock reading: 1:46
